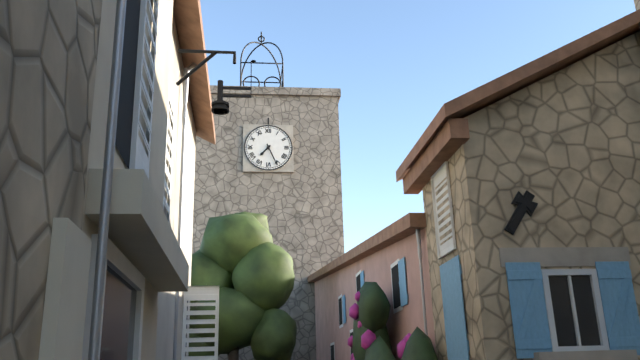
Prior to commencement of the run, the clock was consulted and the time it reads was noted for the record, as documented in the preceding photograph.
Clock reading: 7:26
